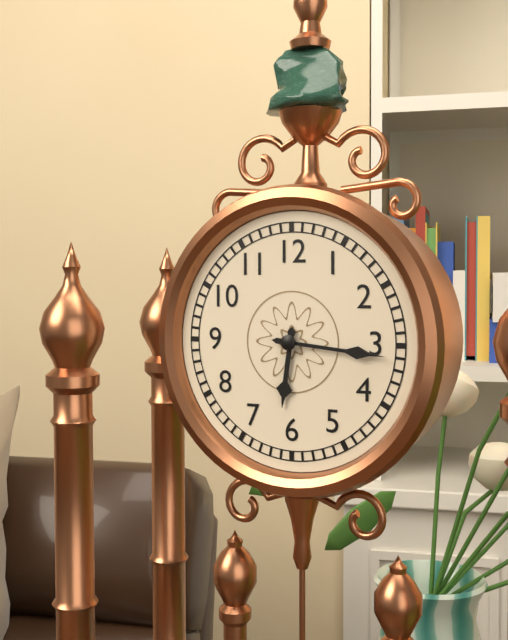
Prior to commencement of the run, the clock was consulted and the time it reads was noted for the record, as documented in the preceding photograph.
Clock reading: 6:16
